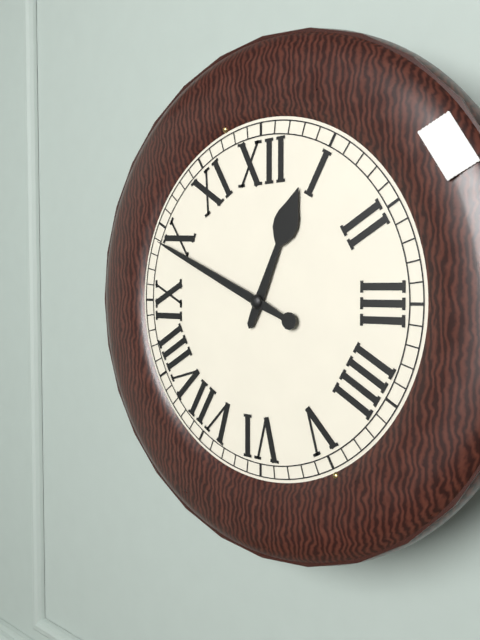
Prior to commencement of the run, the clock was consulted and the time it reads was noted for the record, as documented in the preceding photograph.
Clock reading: 12:49
